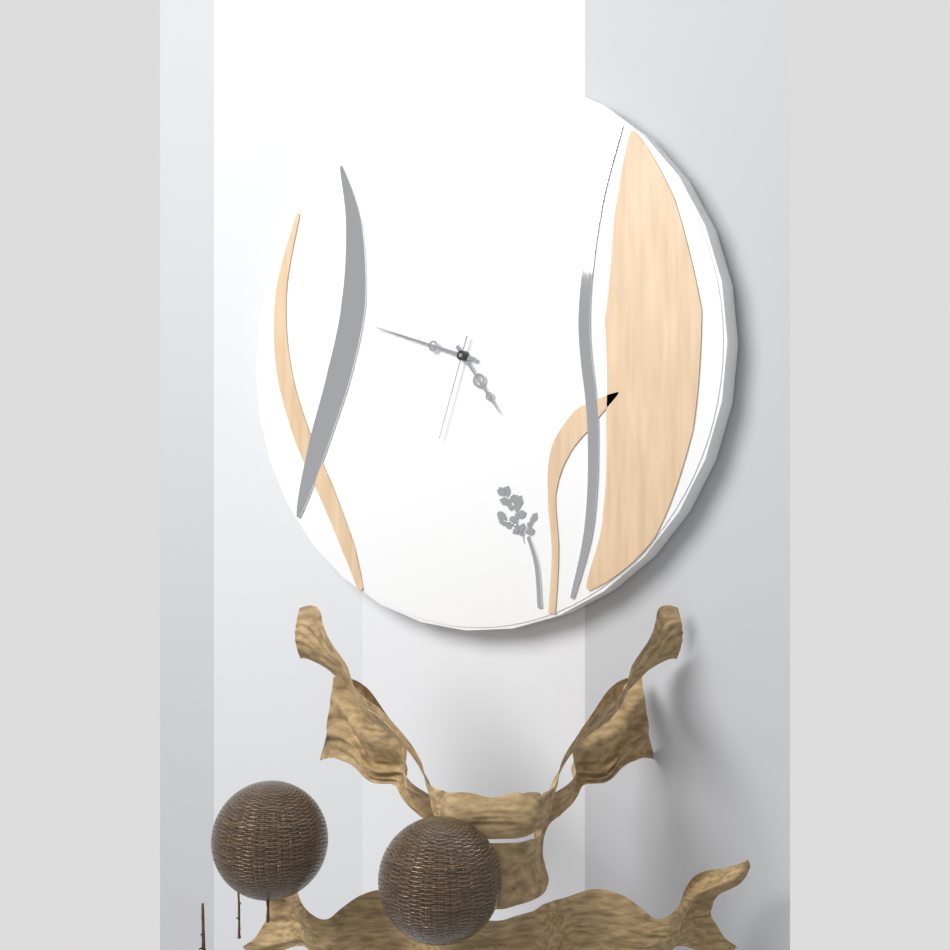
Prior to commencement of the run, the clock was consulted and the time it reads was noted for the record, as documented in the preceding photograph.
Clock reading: 4:48:33
